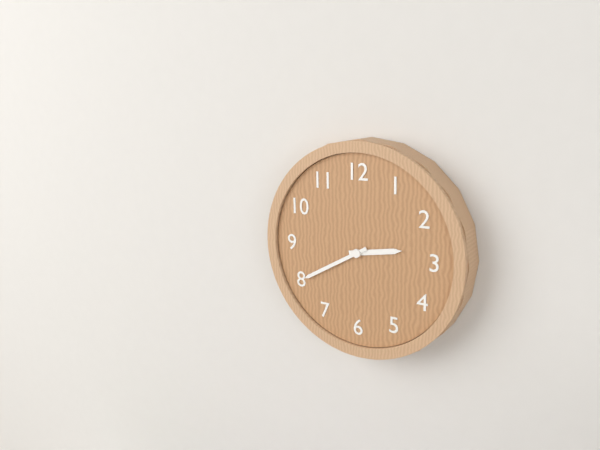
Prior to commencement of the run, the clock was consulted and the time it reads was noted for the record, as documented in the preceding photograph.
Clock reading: 2:40
